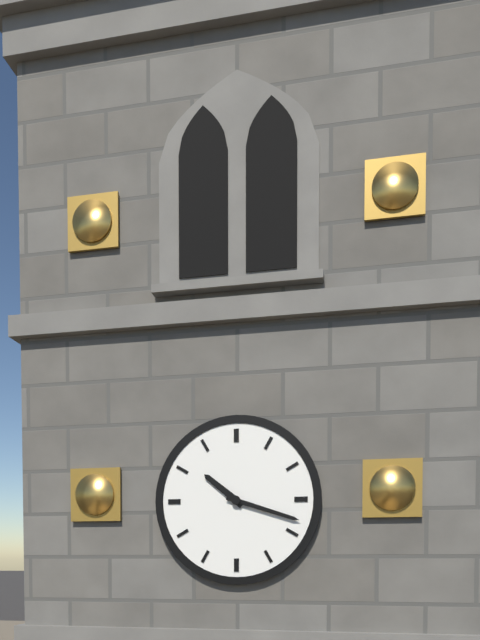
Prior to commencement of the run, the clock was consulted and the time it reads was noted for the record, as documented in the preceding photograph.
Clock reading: 10:18
